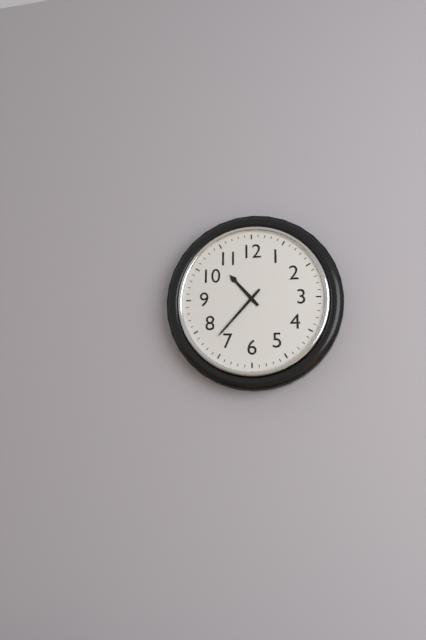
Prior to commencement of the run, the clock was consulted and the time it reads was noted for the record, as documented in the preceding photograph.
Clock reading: 10:37
